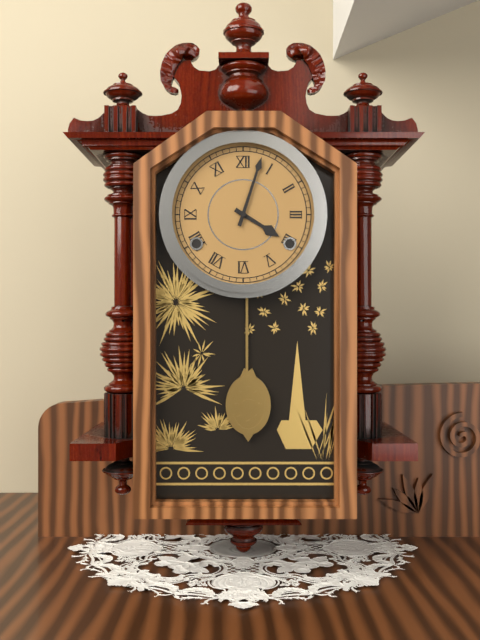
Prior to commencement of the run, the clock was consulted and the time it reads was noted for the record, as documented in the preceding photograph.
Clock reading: 4:03
